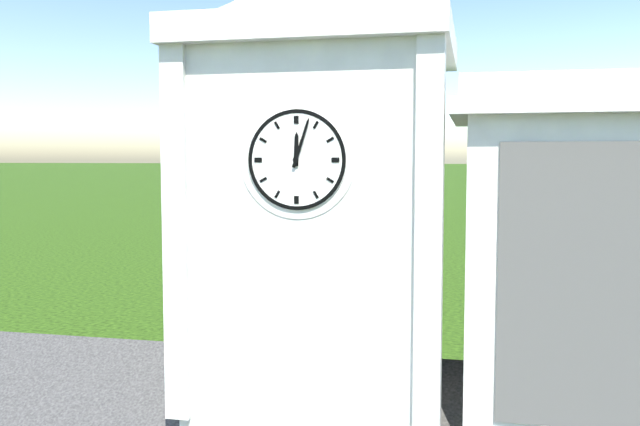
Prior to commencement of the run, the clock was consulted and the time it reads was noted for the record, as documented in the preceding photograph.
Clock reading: 12:03
